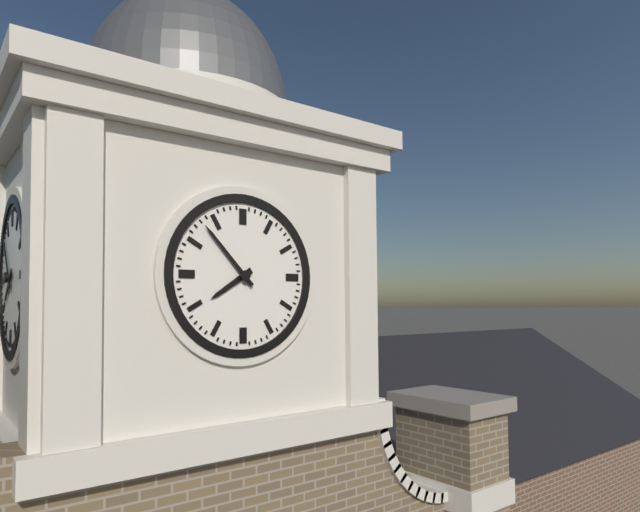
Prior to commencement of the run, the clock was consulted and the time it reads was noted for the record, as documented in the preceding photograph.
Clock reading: 7:53
